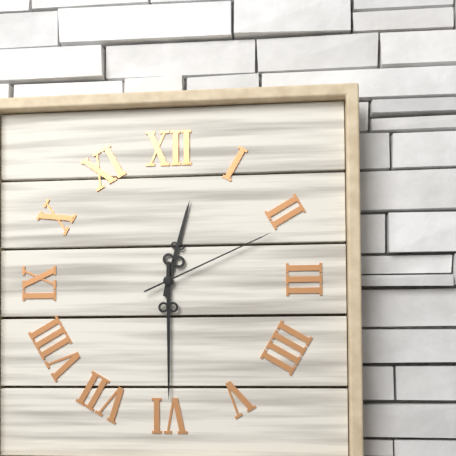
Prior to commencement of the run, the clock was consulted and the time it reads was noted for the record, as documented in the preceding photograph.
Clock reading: 12:30:11
